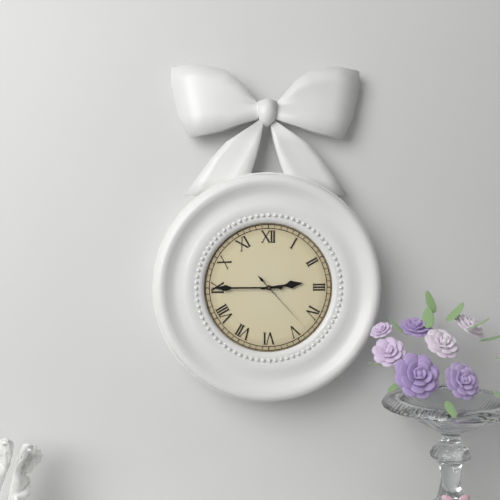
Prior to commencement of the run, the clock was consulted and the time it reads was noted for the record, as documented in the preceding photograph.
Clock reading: 2:45:23
